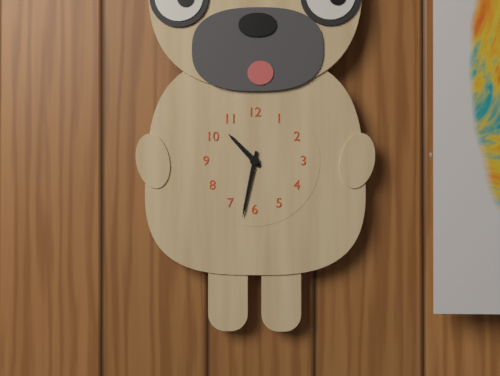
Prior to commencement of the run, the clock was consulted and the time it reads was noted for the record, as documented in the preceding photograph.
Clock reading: 10:32
